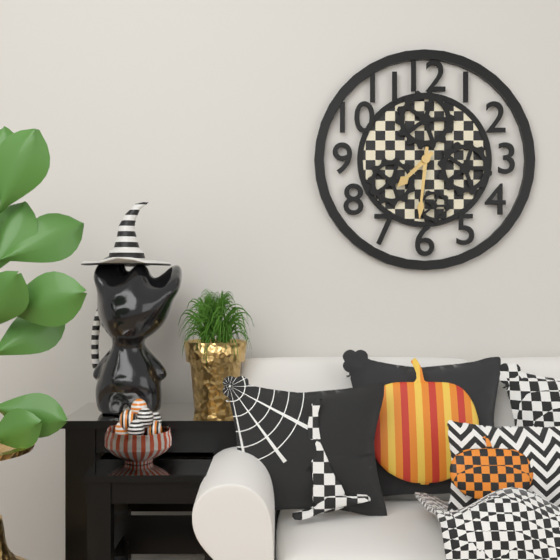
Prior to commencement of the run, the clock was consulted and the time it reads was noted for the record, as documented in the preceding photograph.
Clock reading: 7:31
